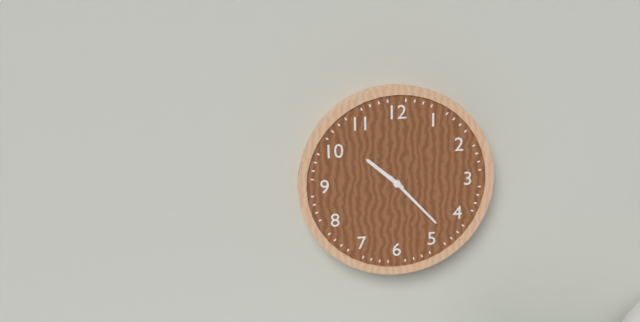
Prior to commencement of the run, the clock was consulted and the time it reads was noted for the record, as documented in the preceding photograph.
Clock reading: 10:23
